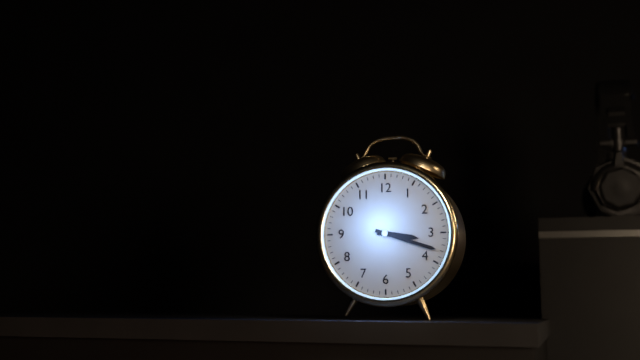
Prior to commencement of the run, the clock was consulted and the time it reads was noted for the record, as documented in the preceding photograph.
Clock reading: 3:18
